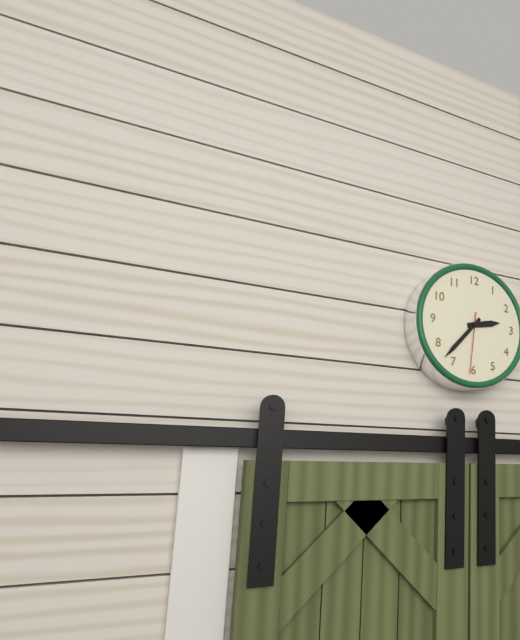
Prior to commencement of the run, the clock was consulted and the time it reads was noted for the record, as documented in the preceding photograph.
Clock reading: 2:37:31
